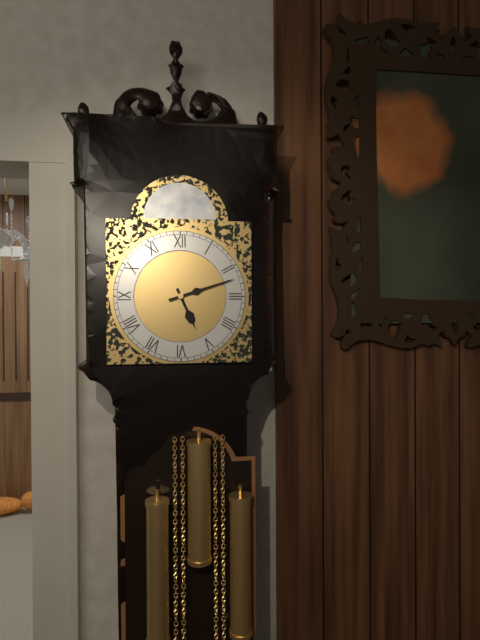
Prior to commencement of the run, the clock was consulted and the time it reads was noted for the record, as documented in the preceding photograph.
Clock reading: 5:12
